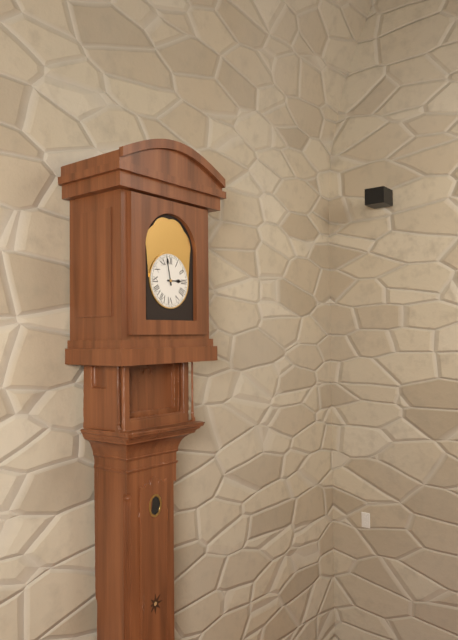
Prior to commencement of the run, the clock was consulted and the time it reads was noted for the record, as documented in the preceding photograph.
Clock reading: 2:58
